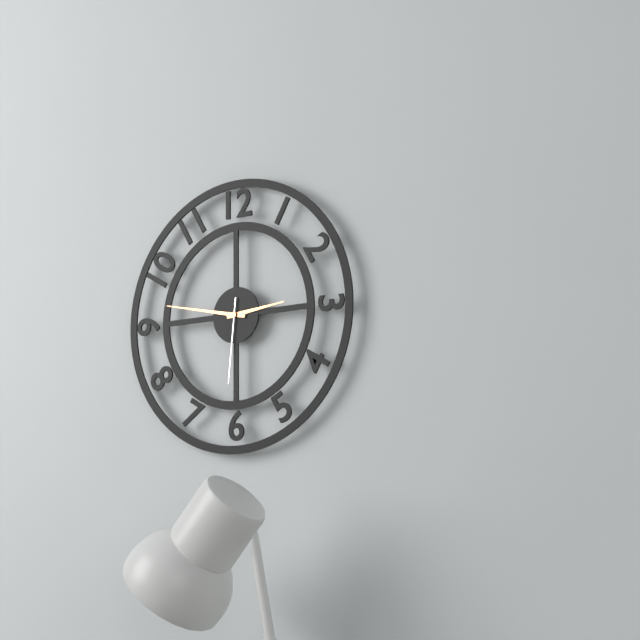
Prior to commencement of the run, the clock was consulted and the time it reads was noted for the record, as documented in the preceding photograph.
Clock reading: 2:47:31
